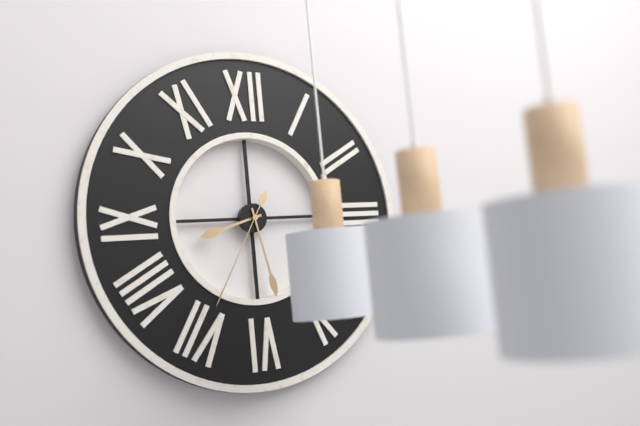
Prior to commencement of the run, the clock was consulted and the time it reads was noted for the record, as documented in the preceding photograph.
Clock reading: 8:28:35
